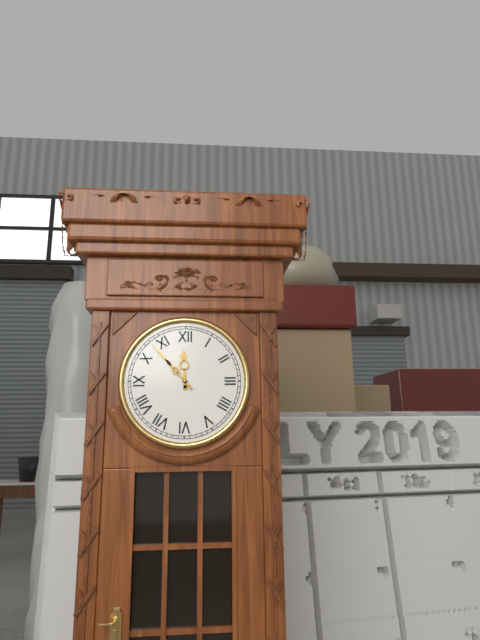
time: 11:53
